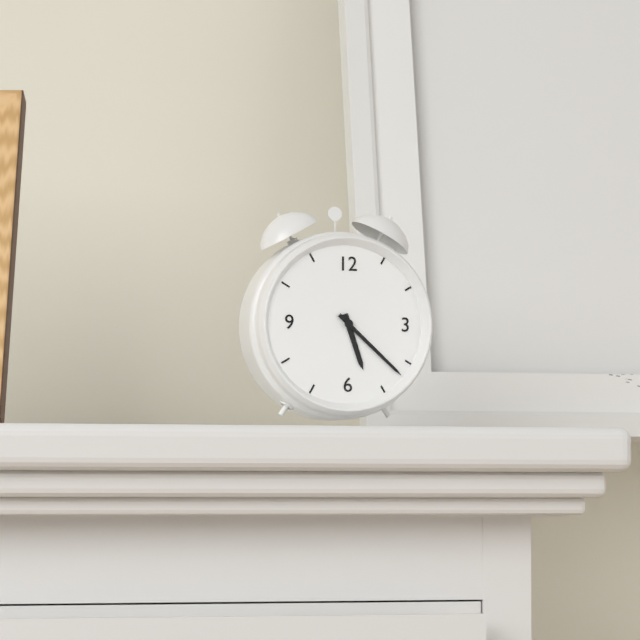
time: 5:22
